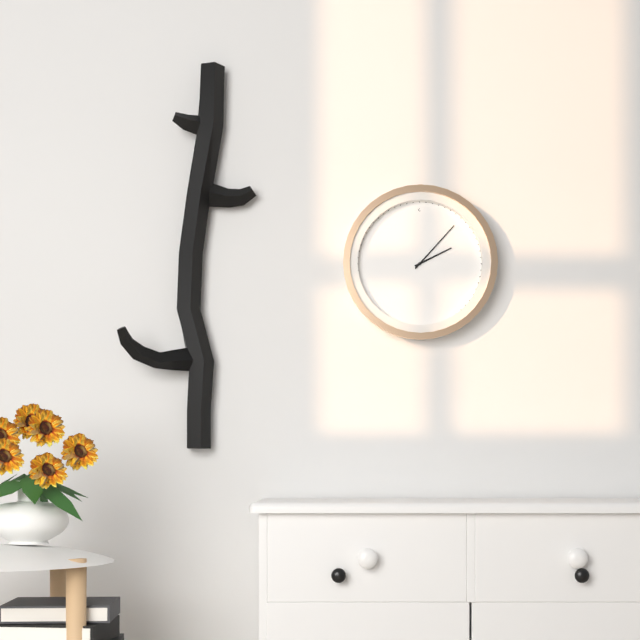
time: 2:07
